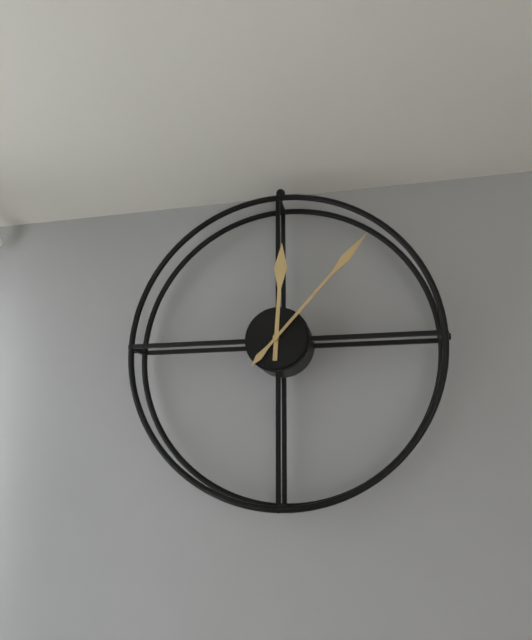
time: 12:07
